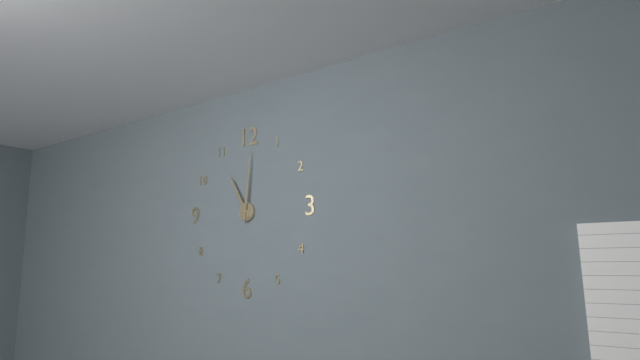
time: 11:01
